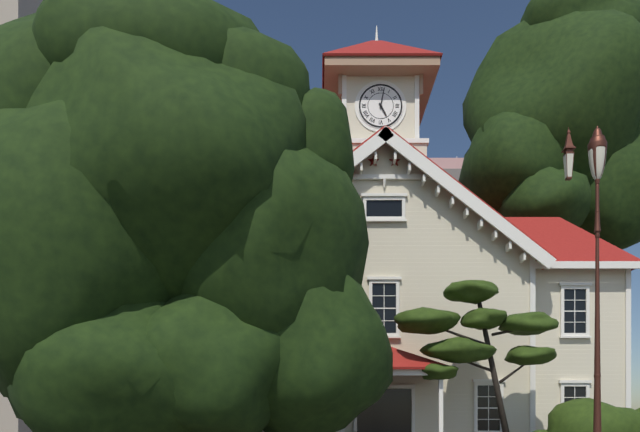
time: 5:02
